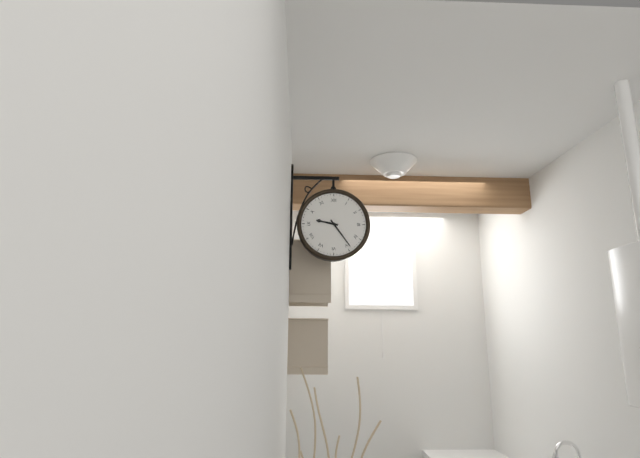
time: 9:24
